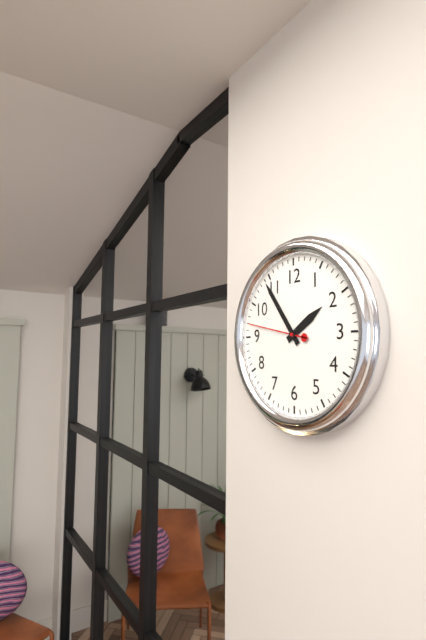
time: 1:54:47
